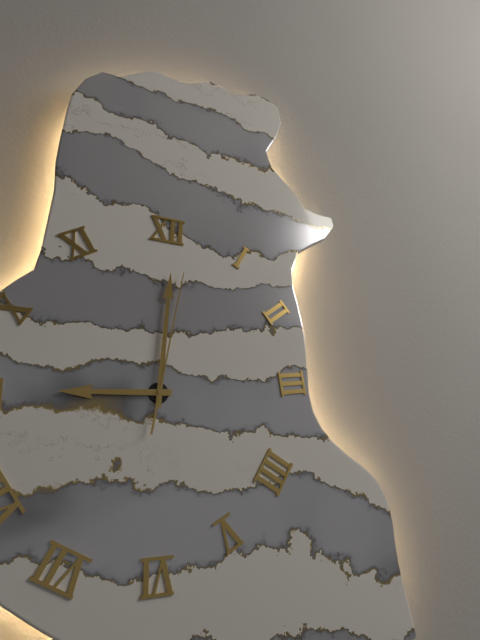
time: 9:01:02
